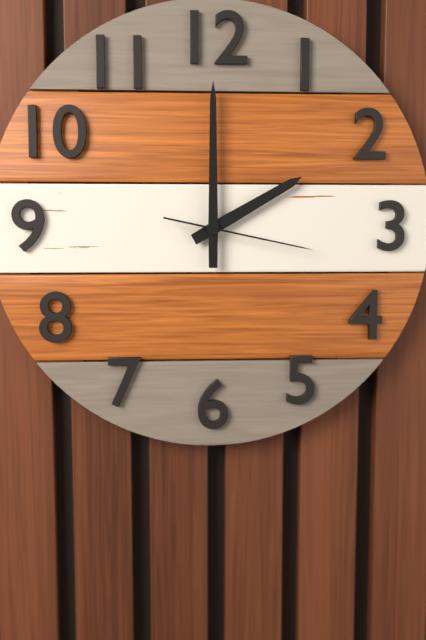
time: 2:00:17
